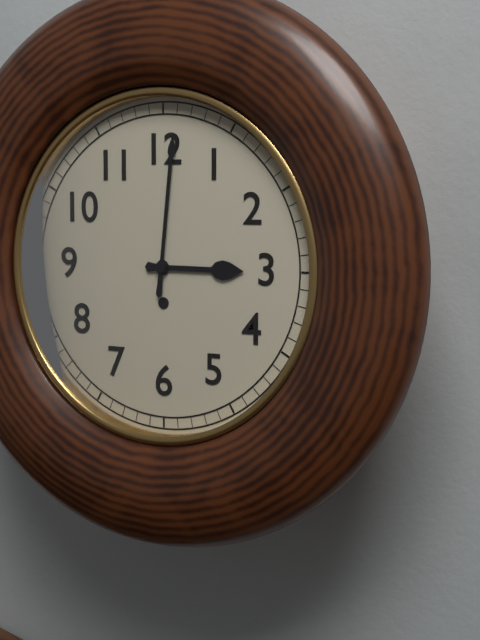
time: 3:01
